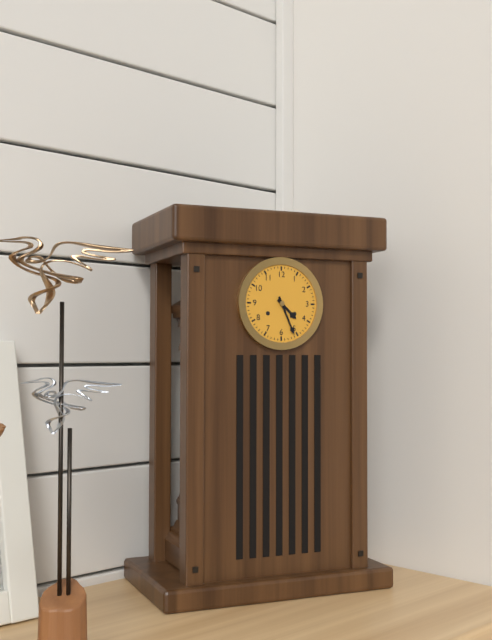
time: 4:26
